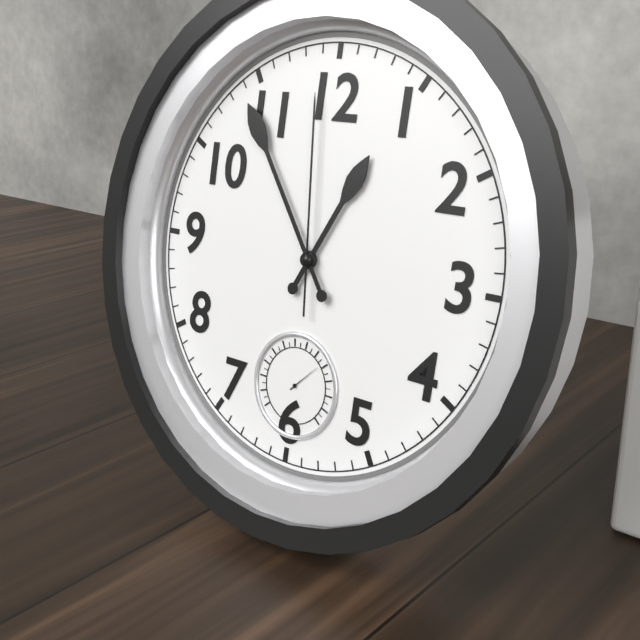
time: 12:54:59
